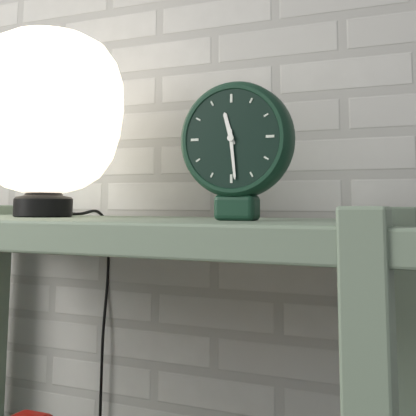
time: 11:29
